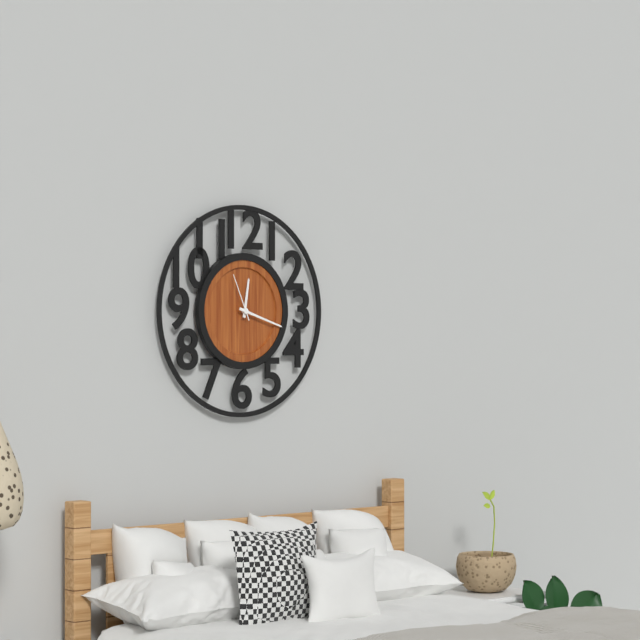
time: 12:18
